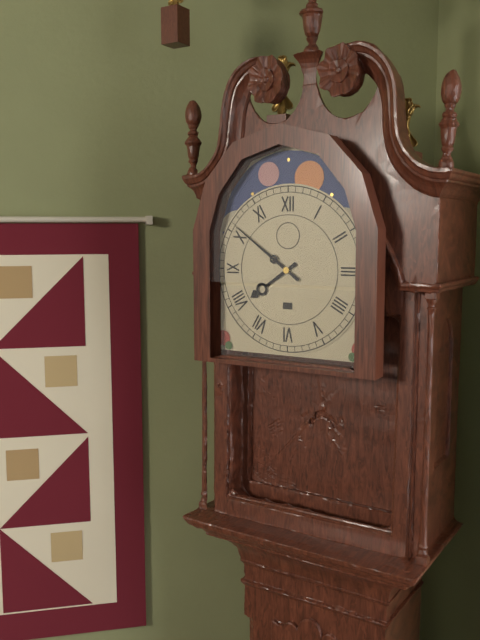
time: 7:51
